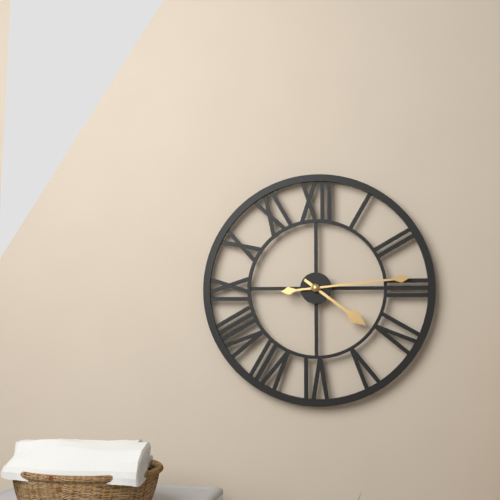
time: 4:14
